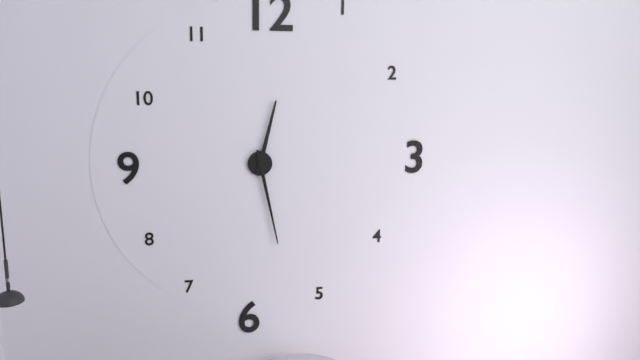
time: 12:28
